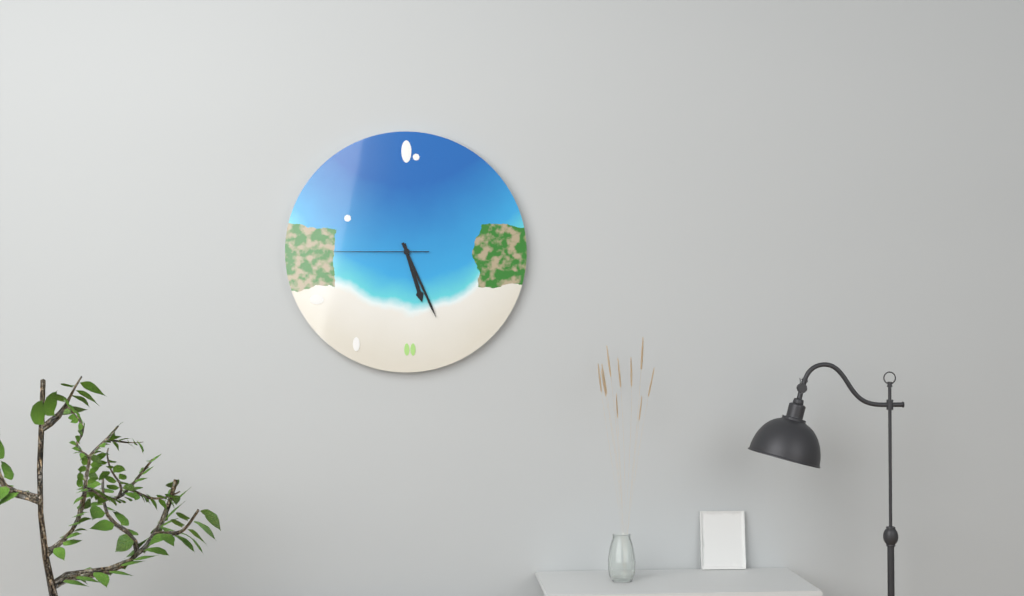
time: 5:26:45
